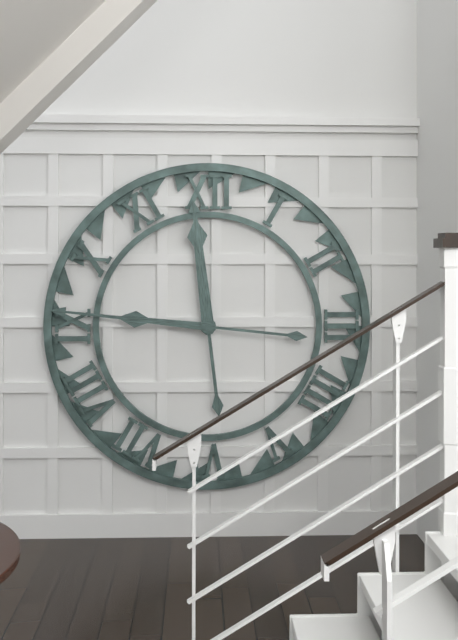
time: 11:46
